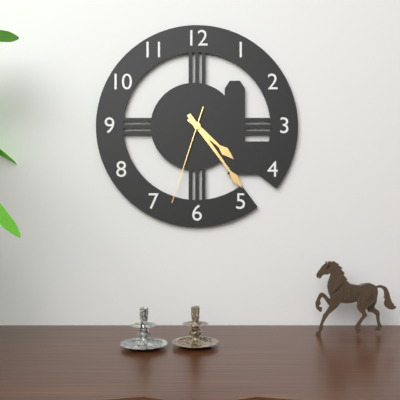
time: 4:24:33
